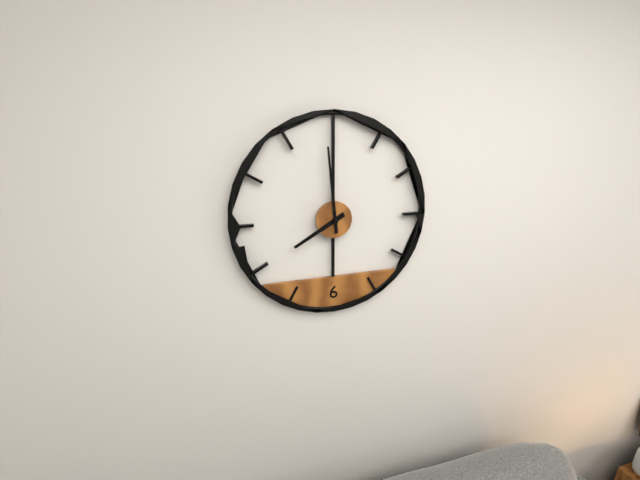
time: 7:59
